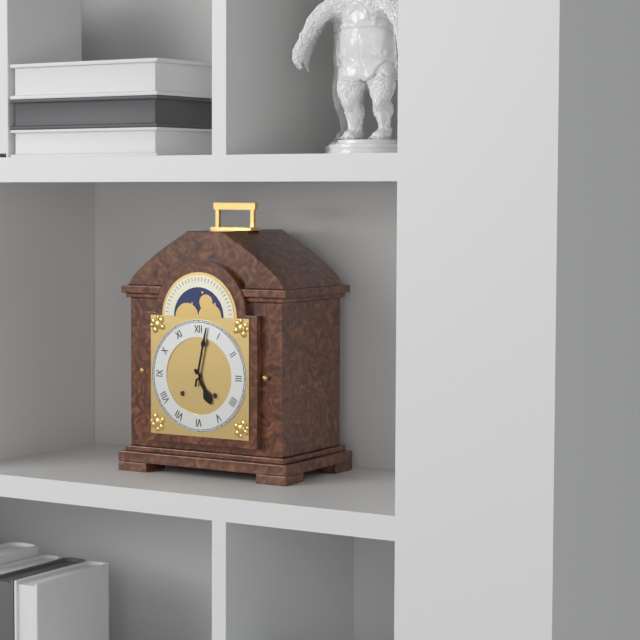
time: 5:02
